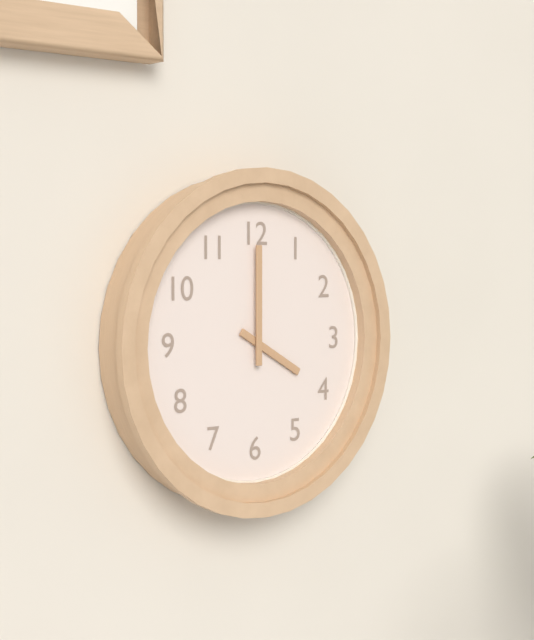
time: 4:00
